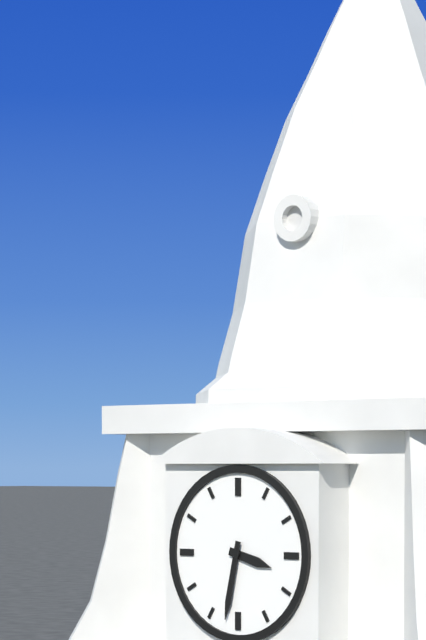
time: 3:32
